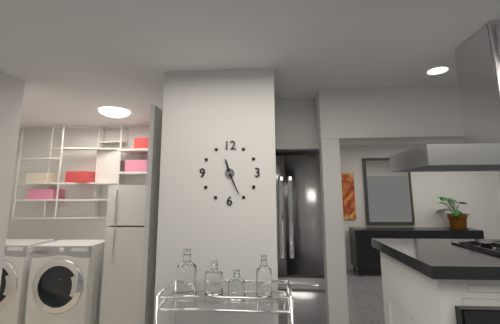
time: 11:26
